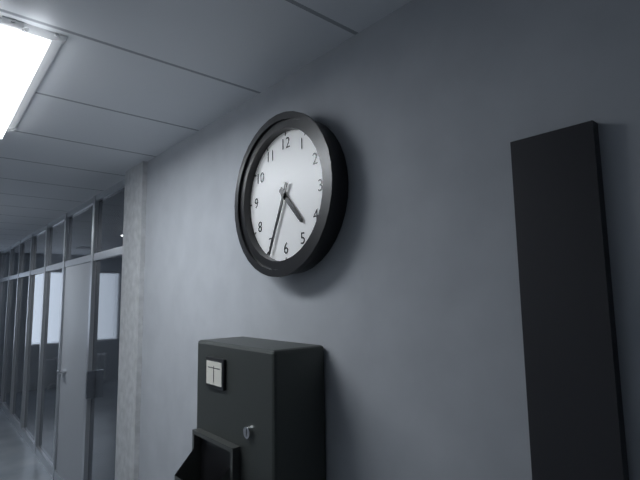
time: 4:34
